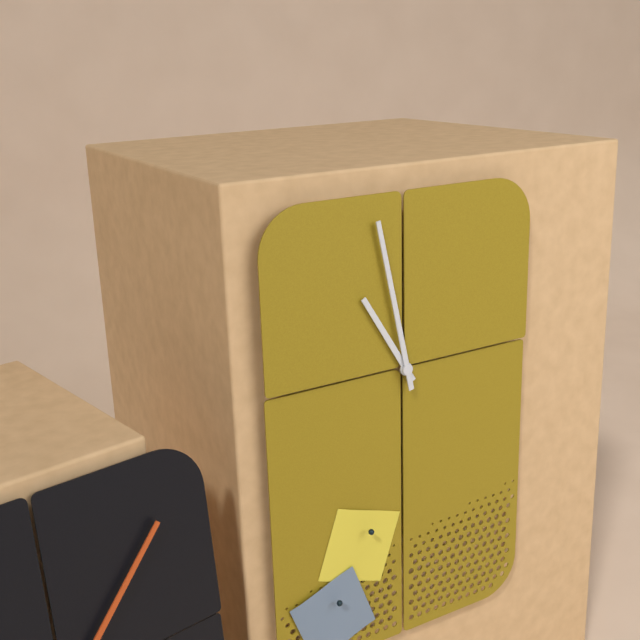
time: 10:58
